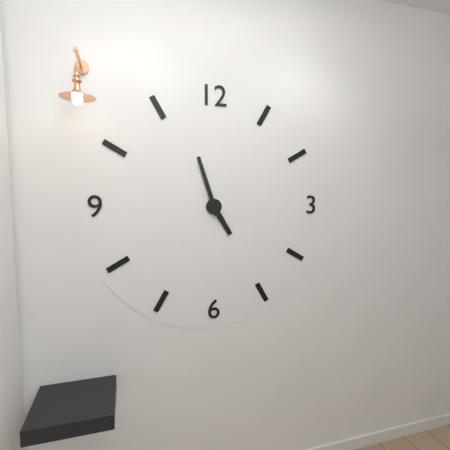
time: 4:57
